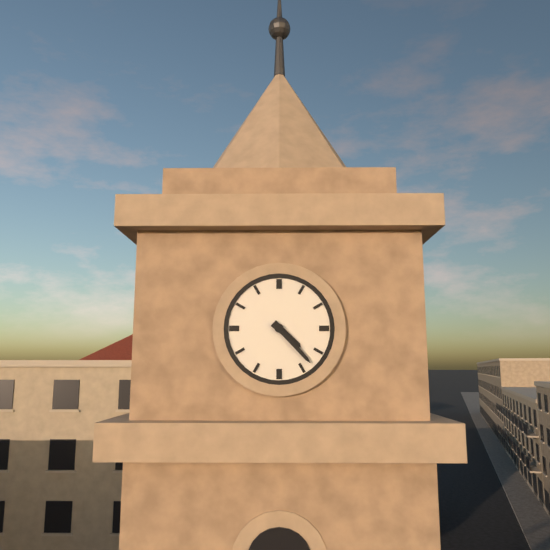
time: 4:23
